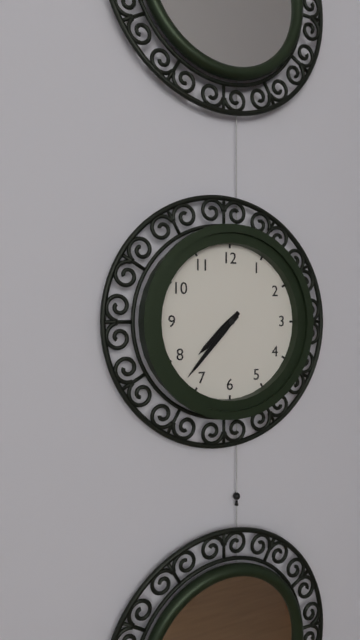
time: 7:37
